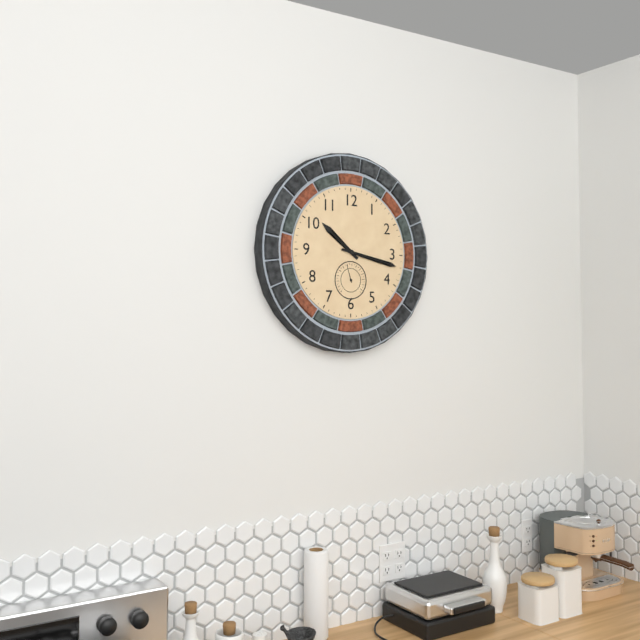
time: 10:17
